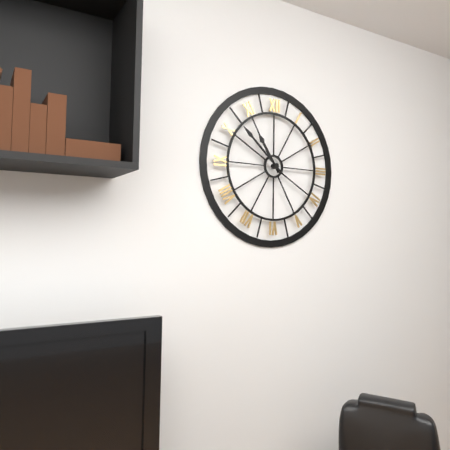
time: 10:52
